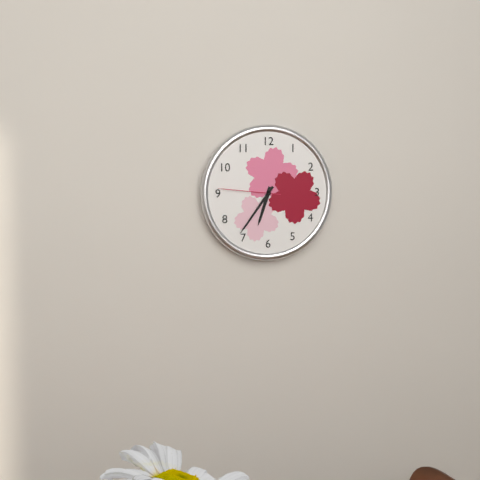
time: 6:36:46
